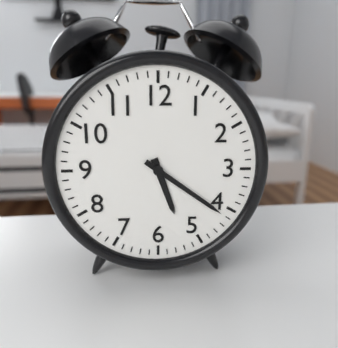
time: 5:21
